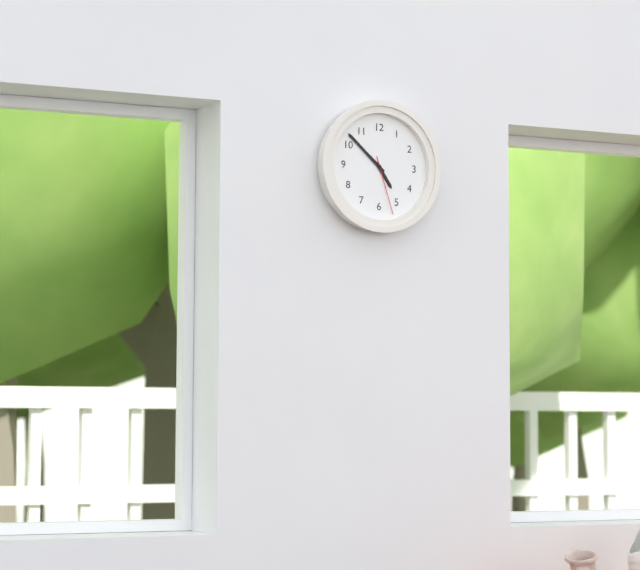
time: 4:52:27
